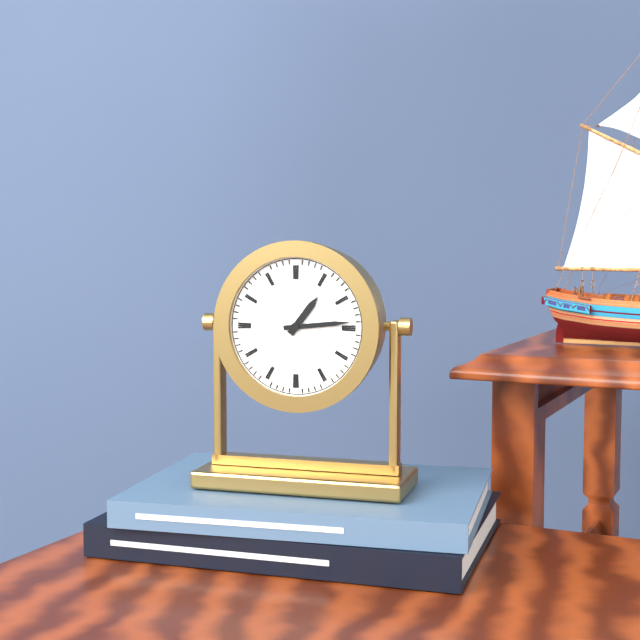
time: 1:14
